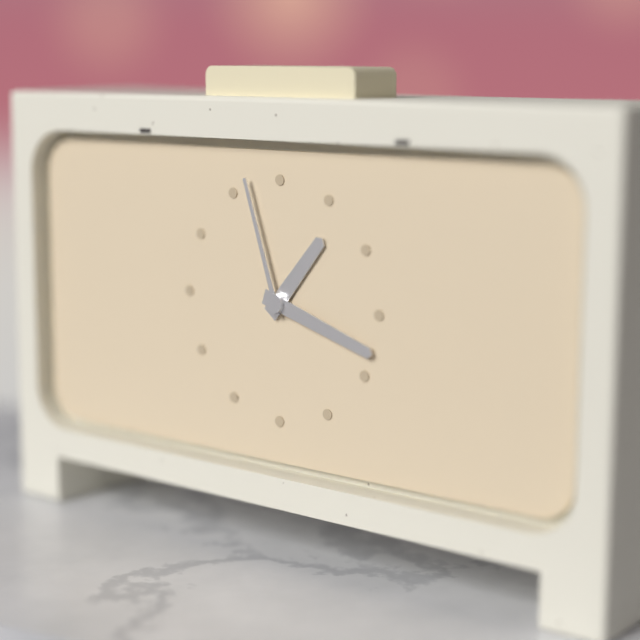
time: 1:18:57
